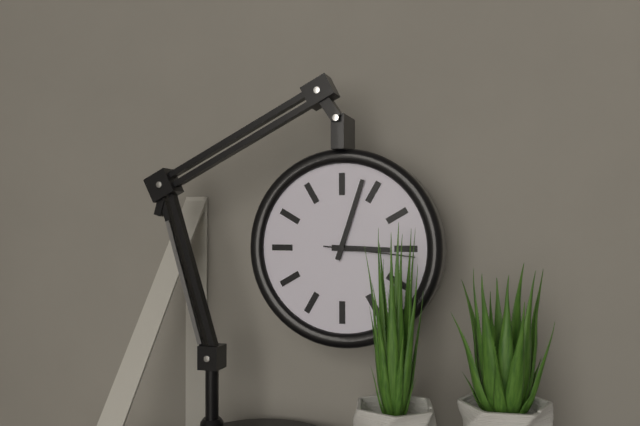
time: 3:03:16
